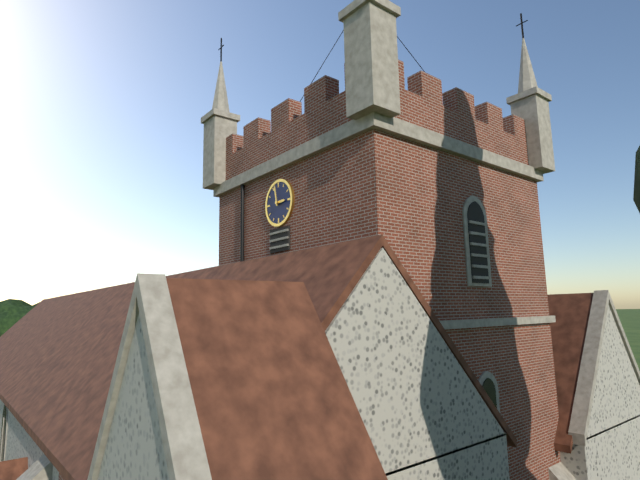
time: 2:58
